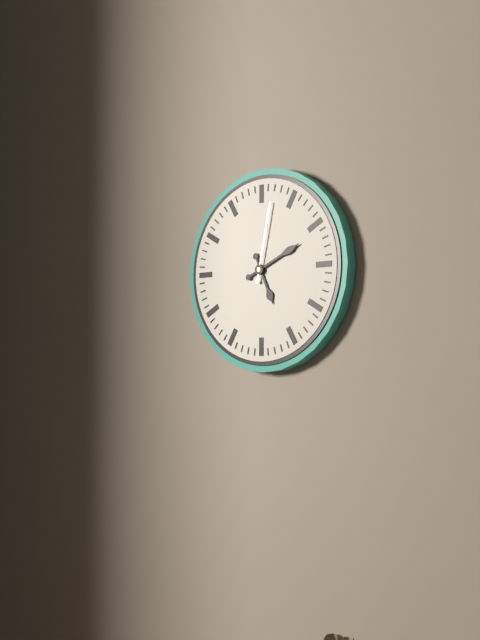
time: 5:11:02
